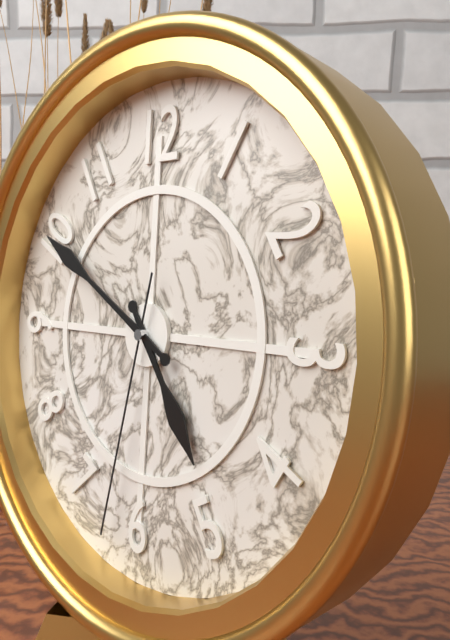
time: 4:50:32
